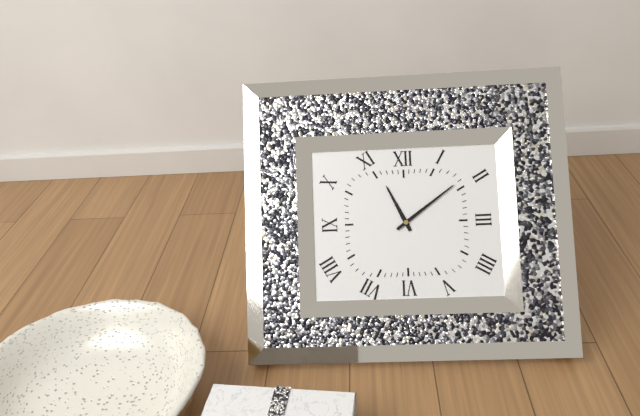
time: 11:09
